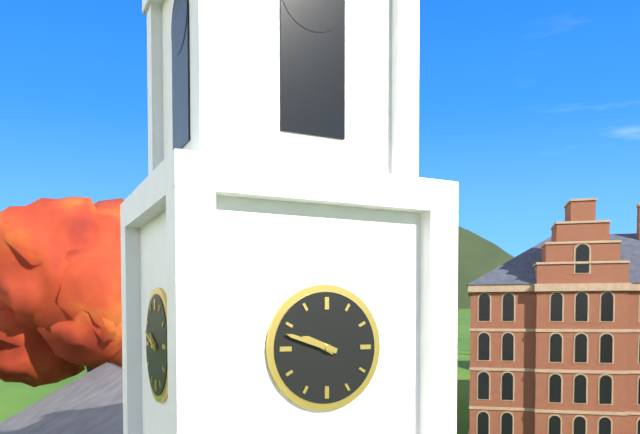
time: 9:48
